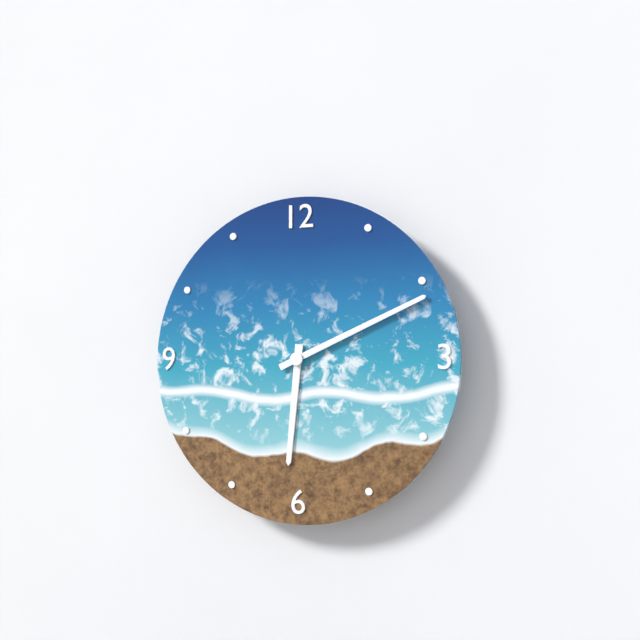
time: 6:11
